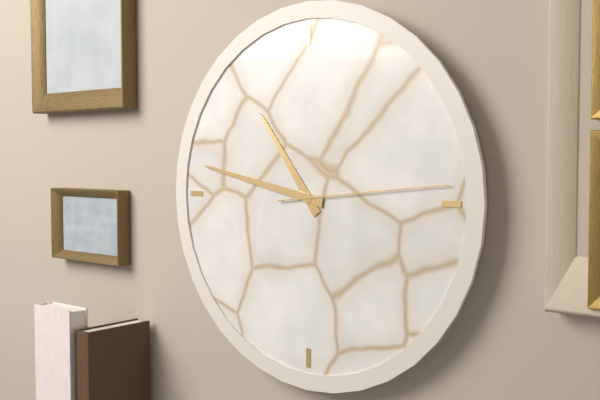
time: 10:47:14
